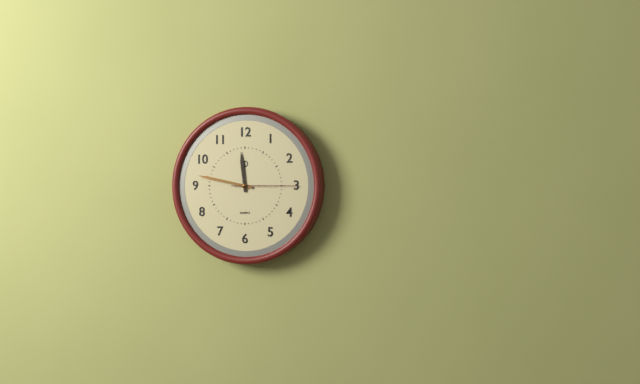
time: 11:47:15
